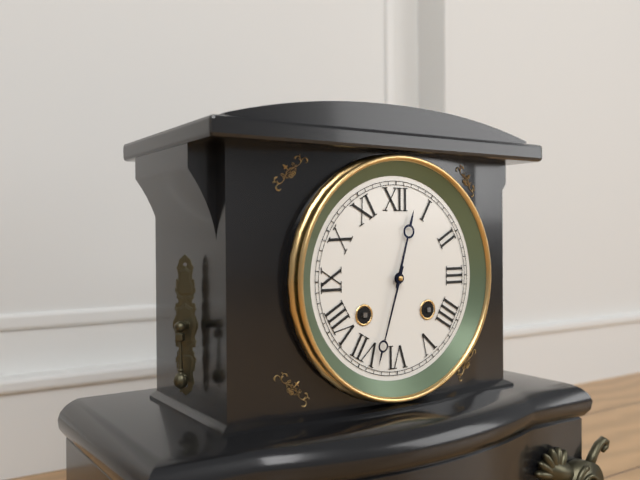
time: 12:33
